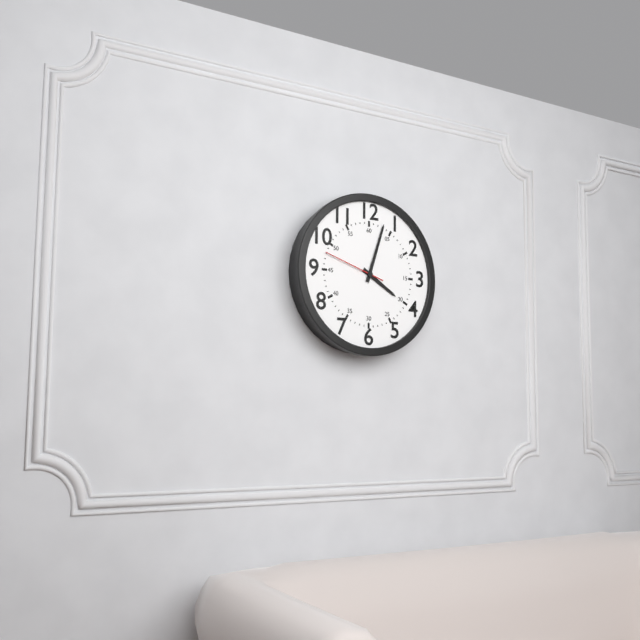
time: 4:03:48
